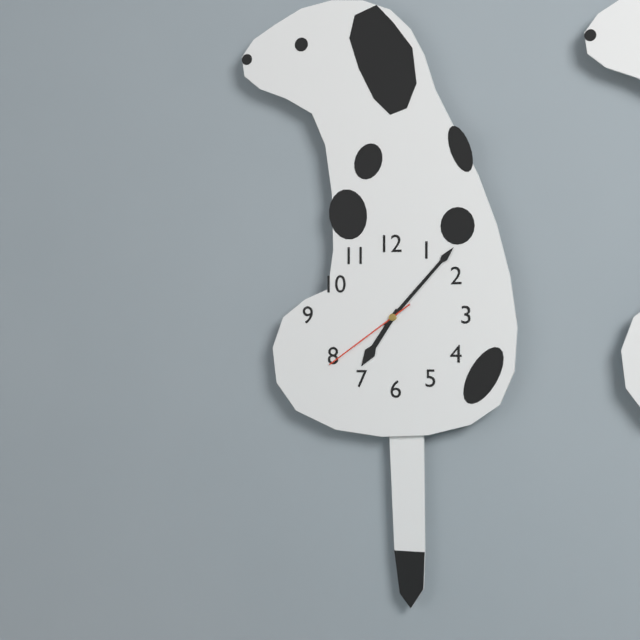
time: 7:07:39
